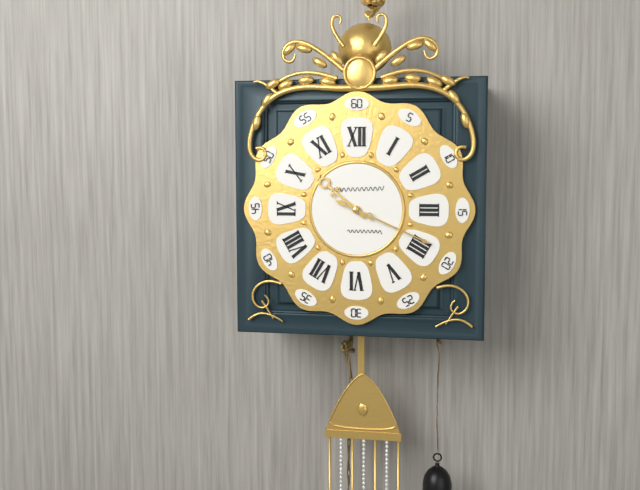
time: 10:19
